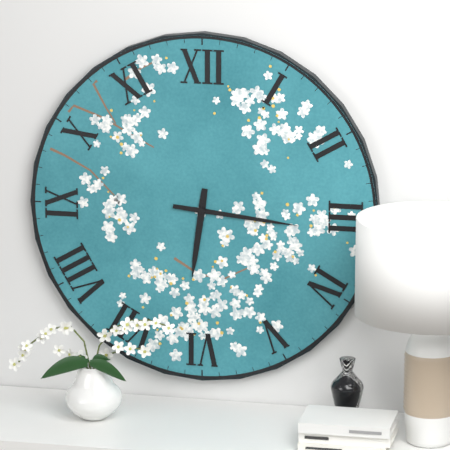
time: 6:16
